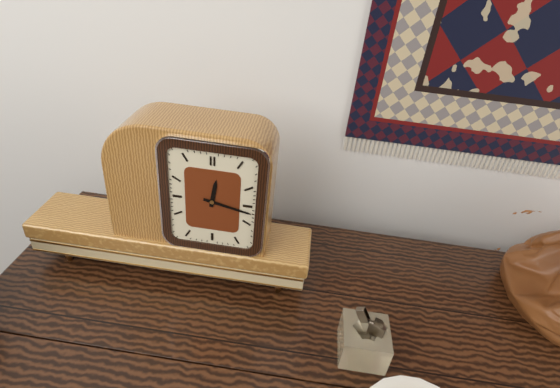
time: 12:17
